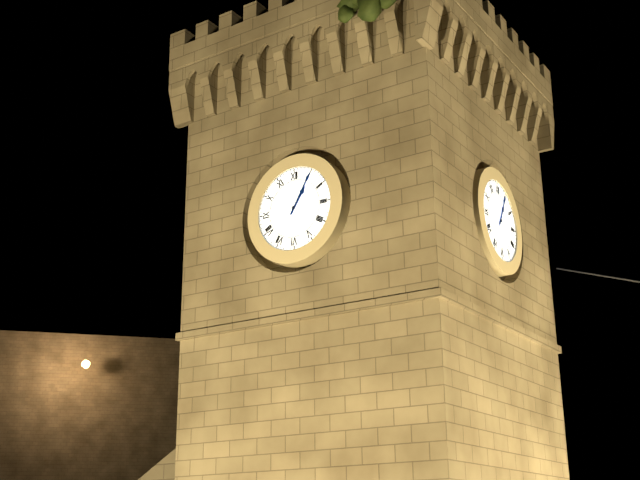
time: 1:05
